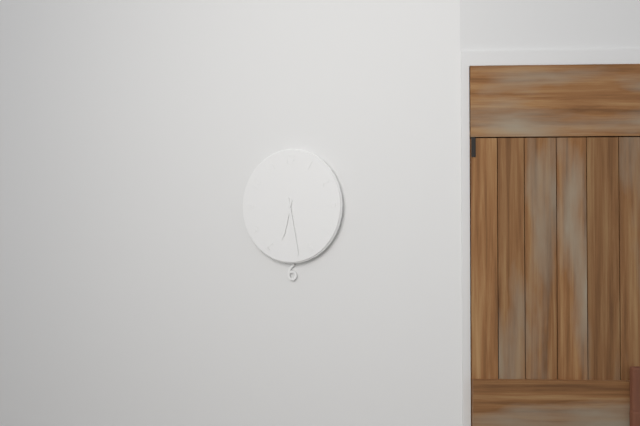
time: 6:28
